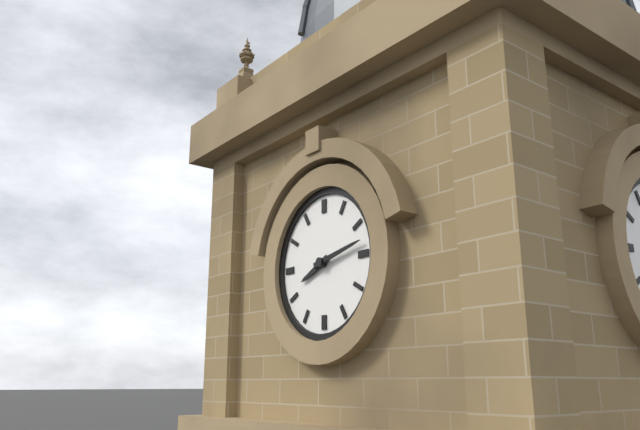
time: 8:13
